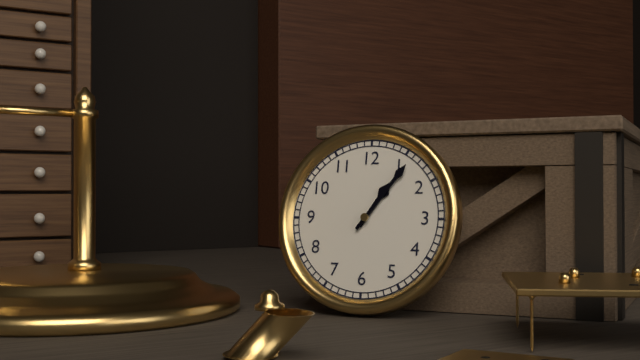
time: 1:06
